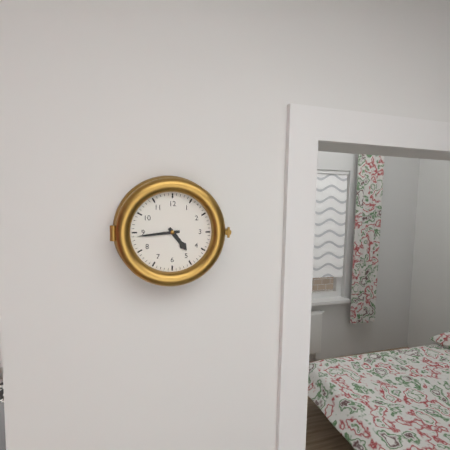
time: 4:44
